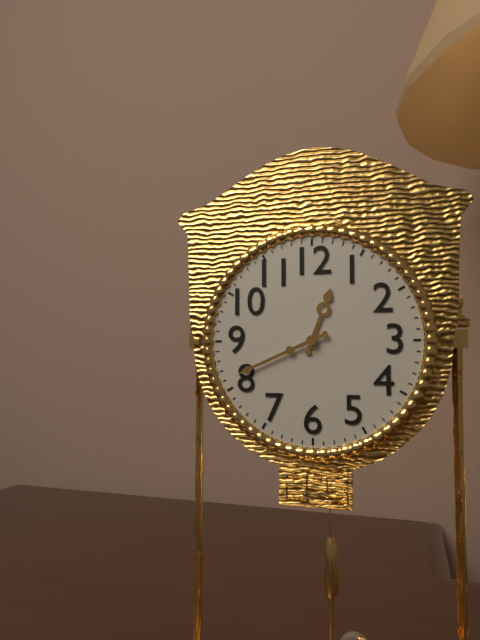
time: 12:41
